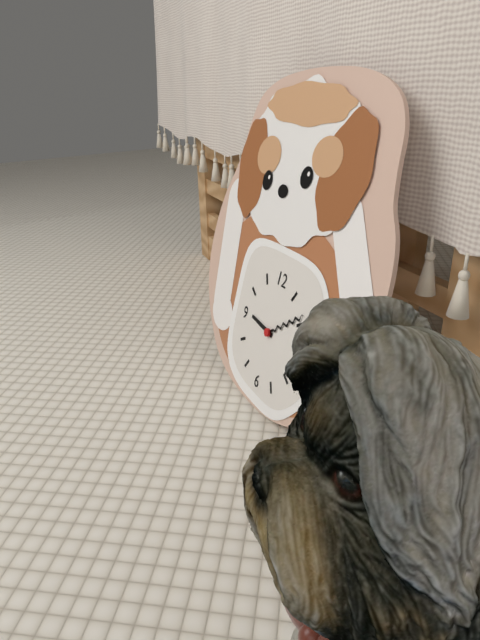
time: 9:09
